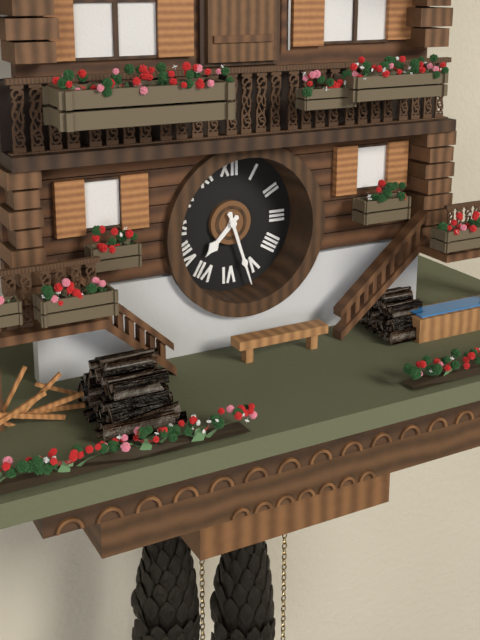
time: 7:27
